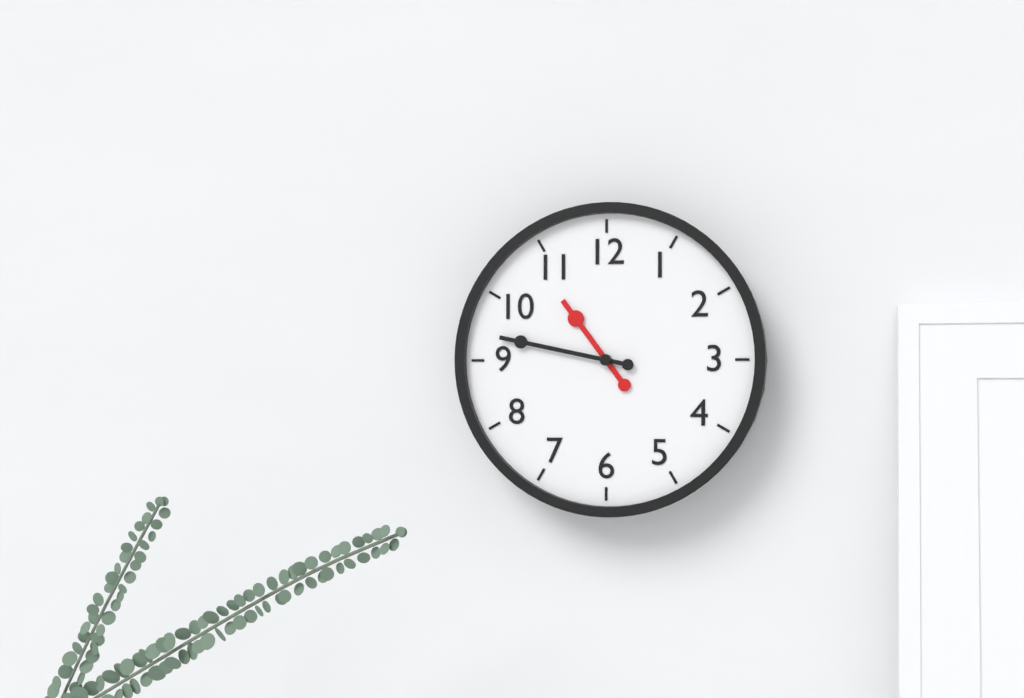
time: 10:47
